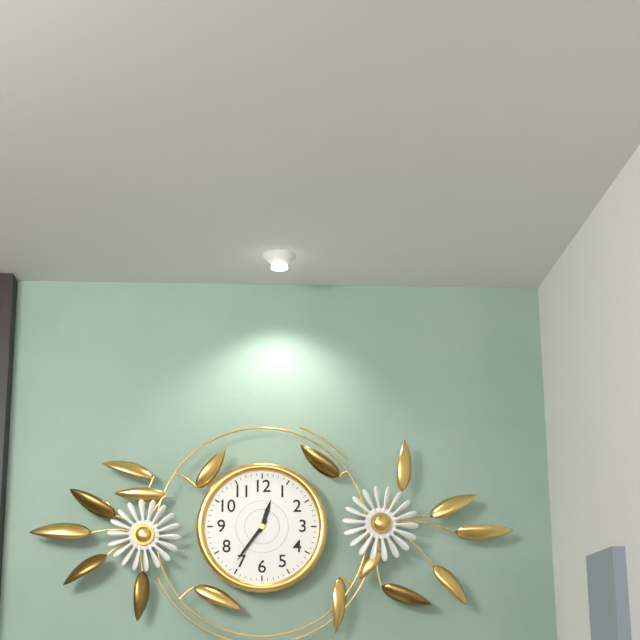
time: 12:36
